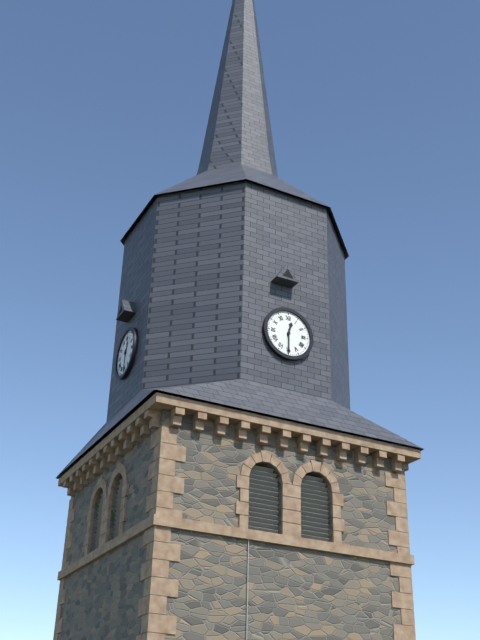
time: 12:30
